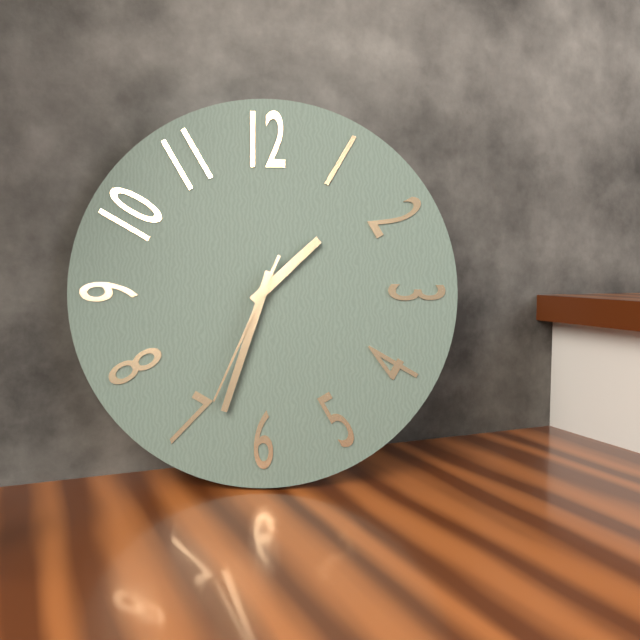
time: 1:33:34
